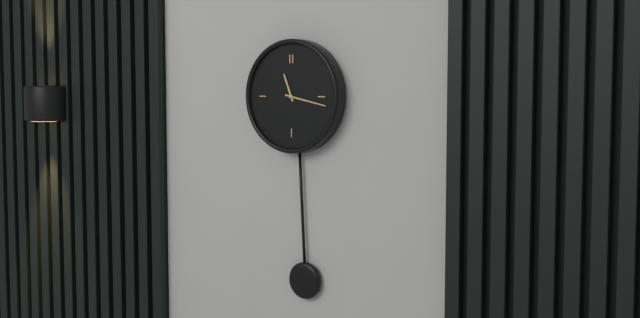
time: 11:17
